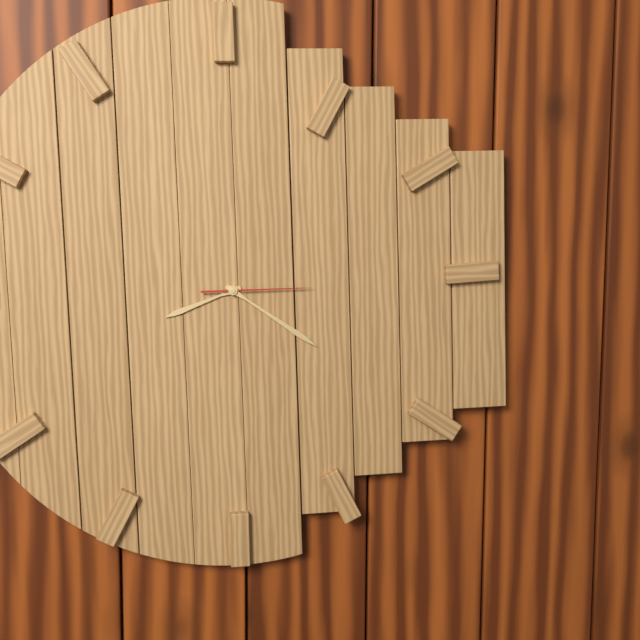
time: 8:21:15
